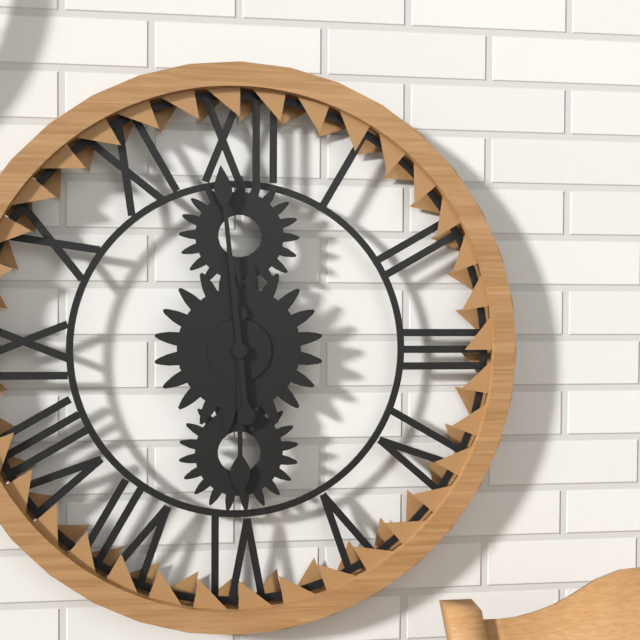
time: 5:59
